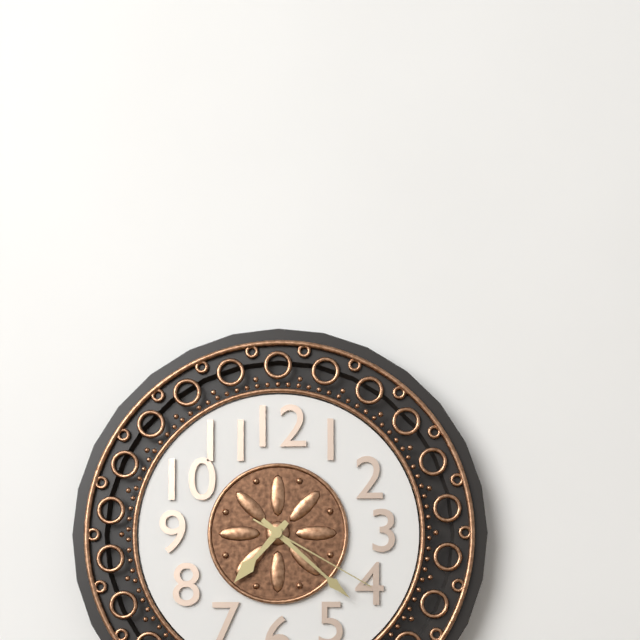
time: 7:22:20
